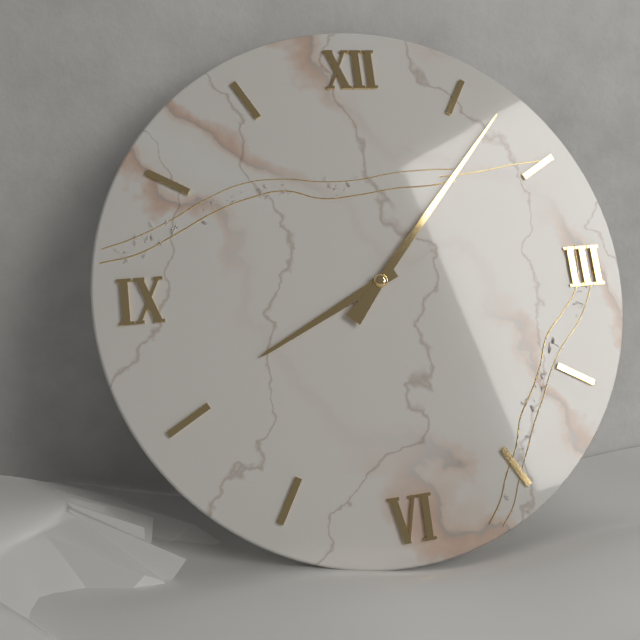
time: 8:07
